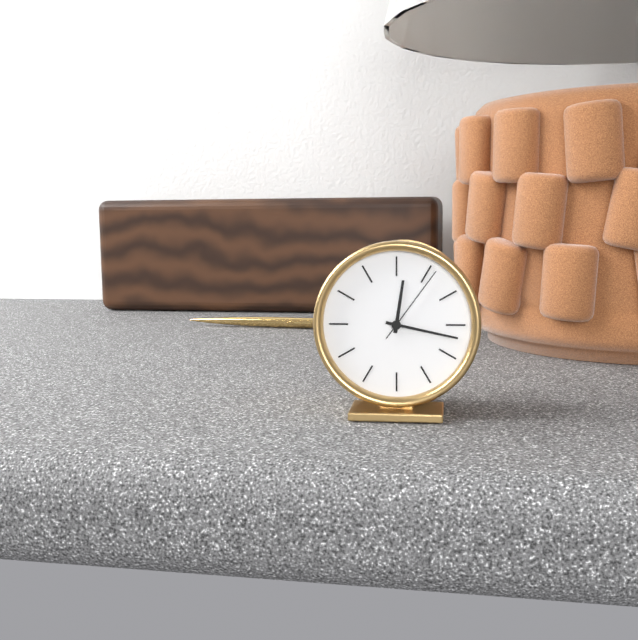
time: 12:17:06
